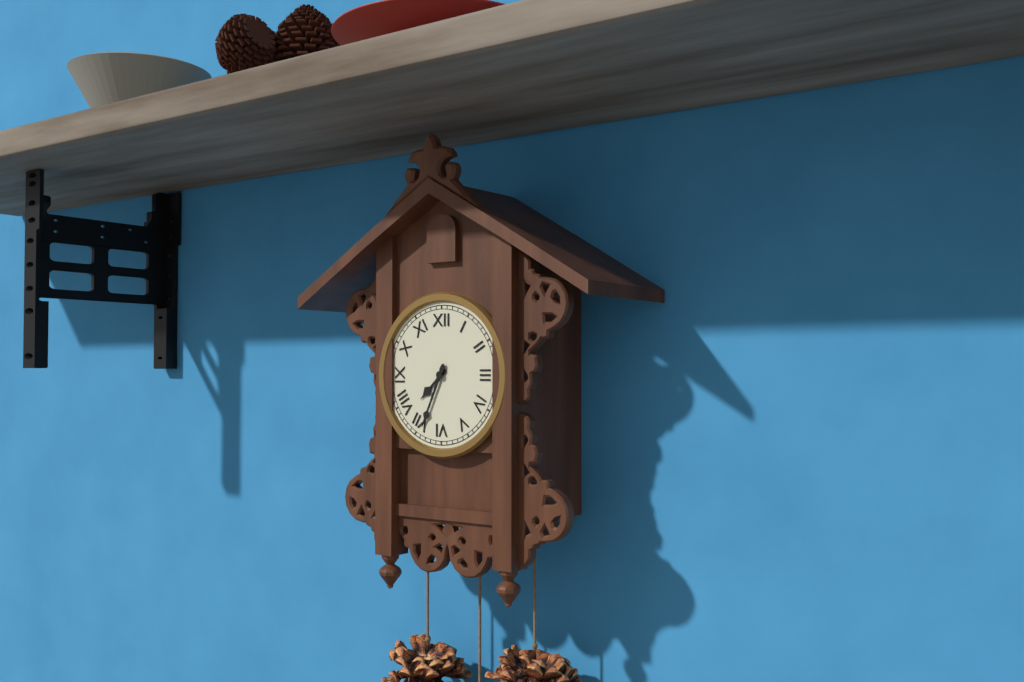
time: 7:34
